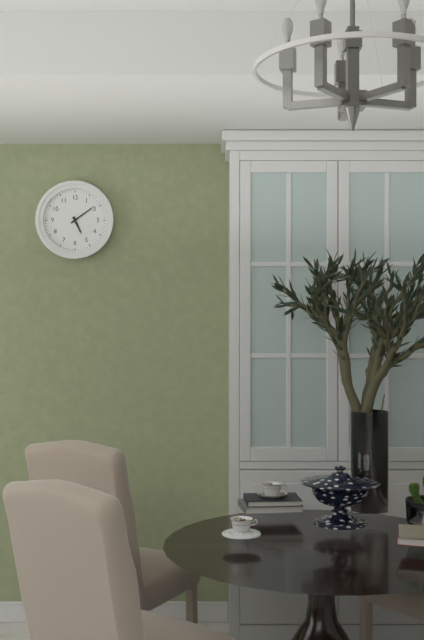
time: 5:09
